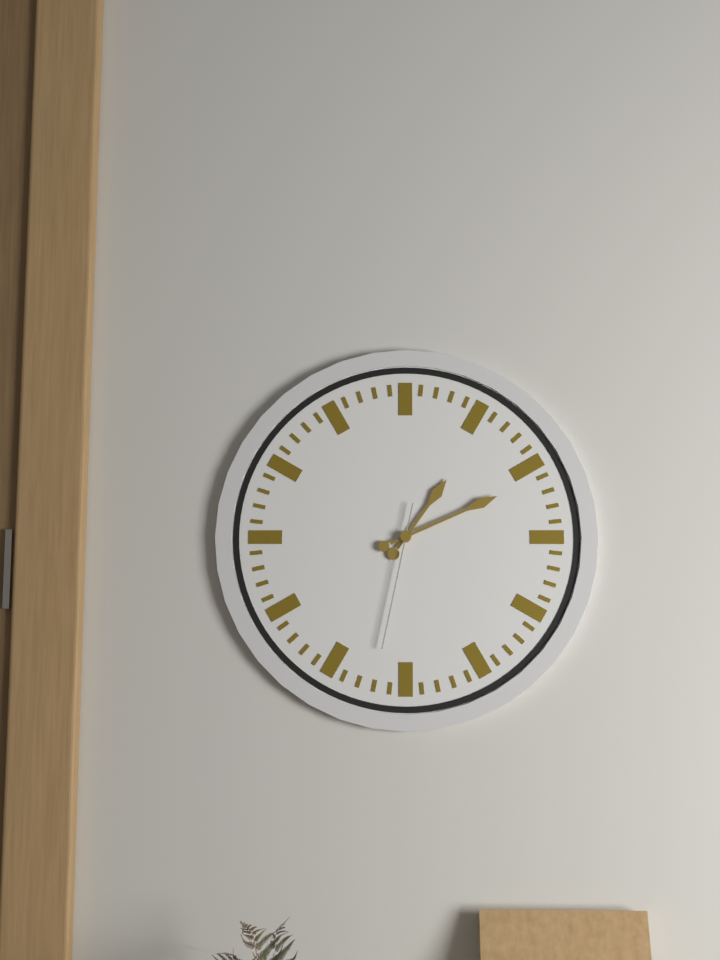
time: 1:11:32
